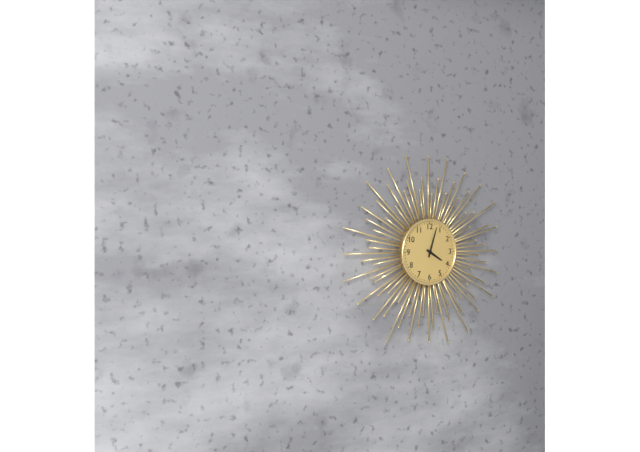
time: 4:03
